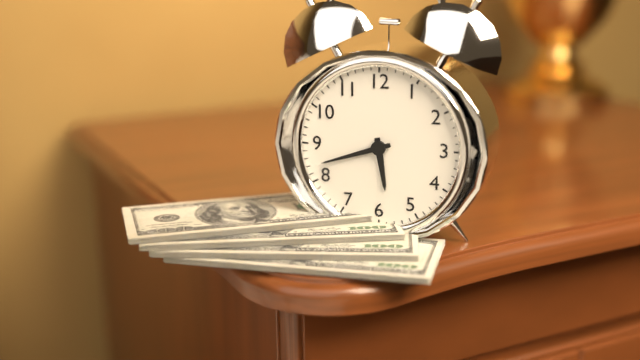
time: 5:42
